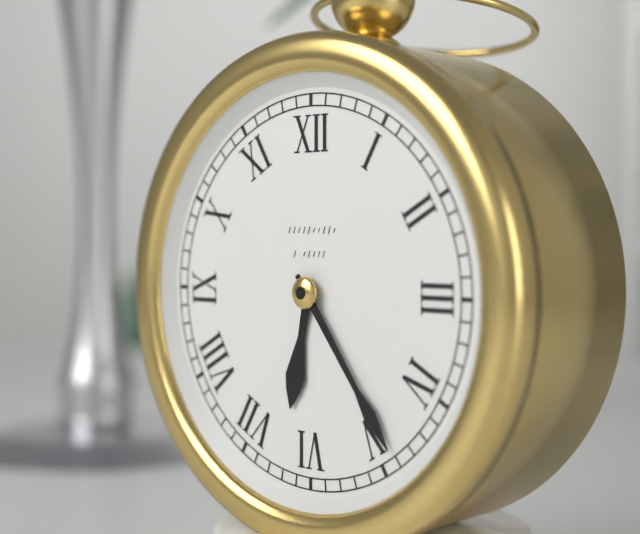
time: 6:24
